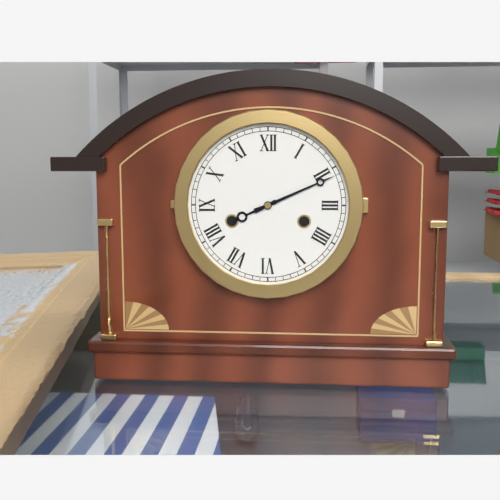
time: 8:11
